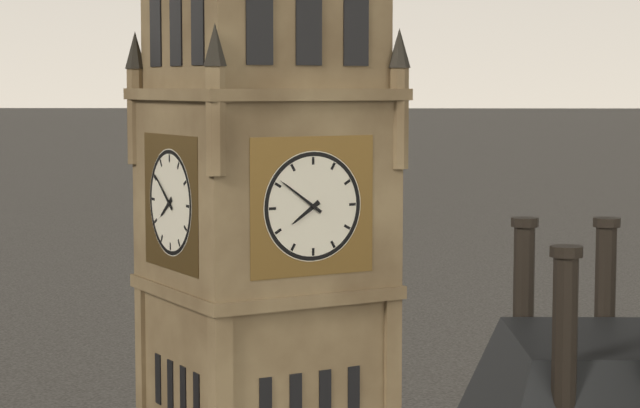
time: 7:51
